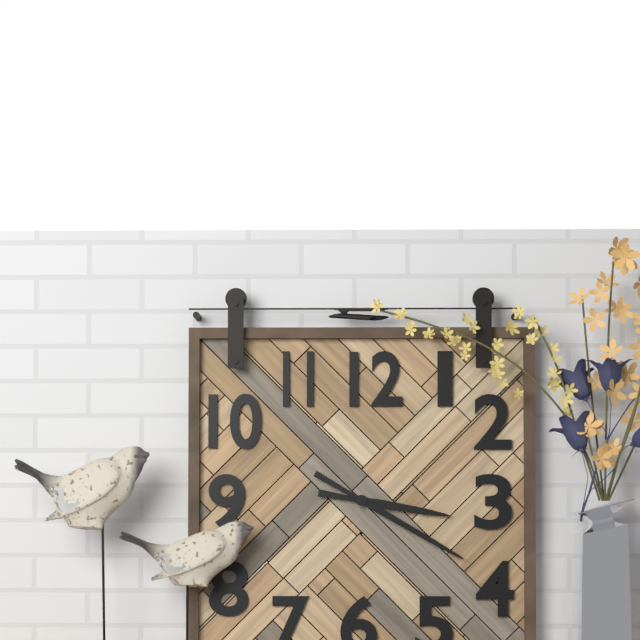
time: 3:20
